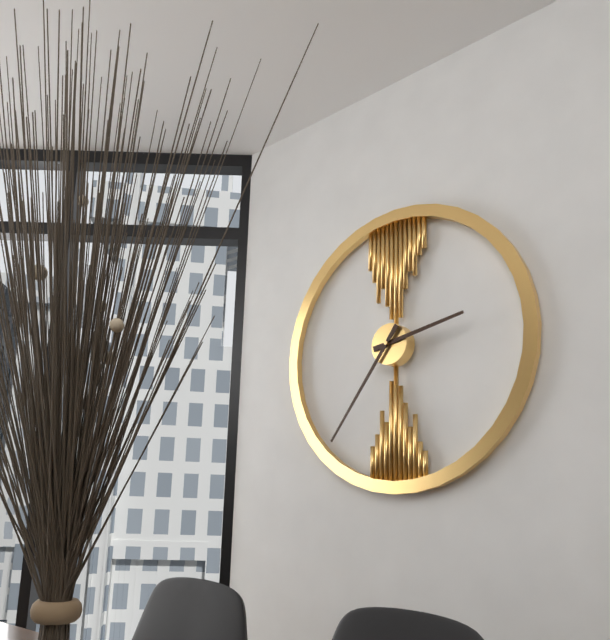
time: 2:36
